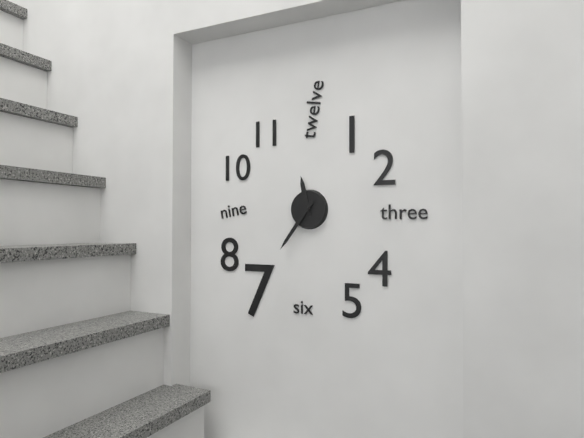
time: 11:36
